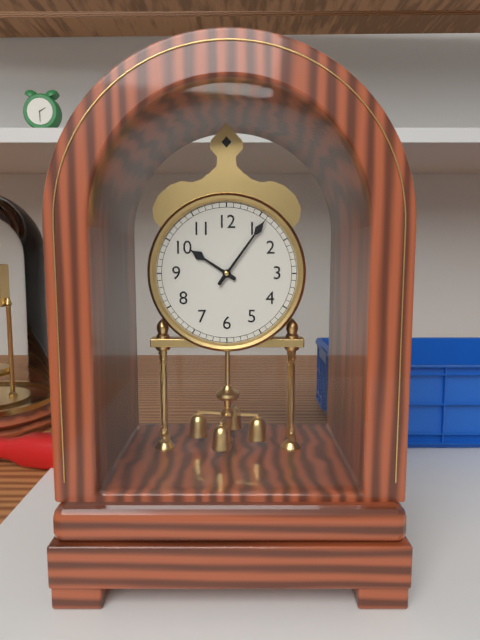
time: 10:06
